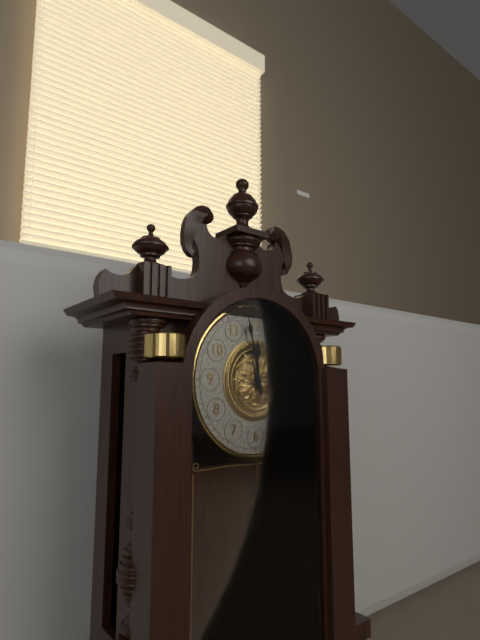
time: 11:58
